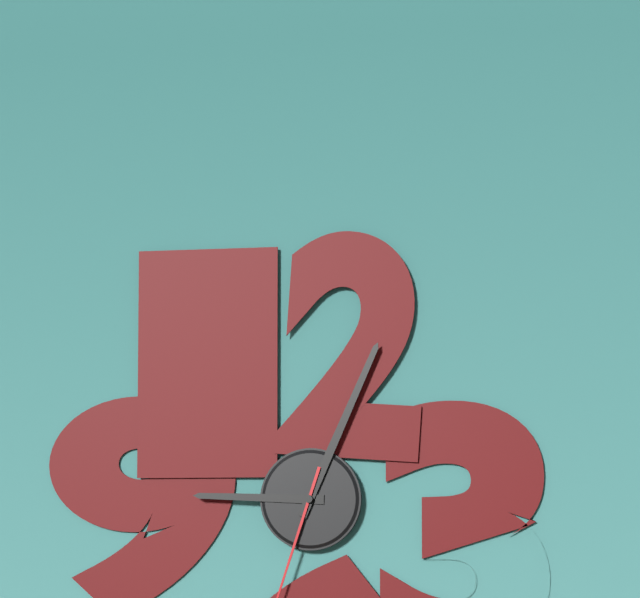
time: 9:04
